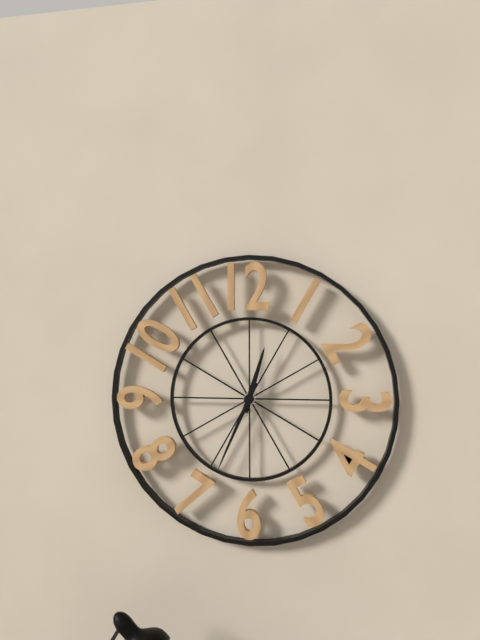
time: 12:34
